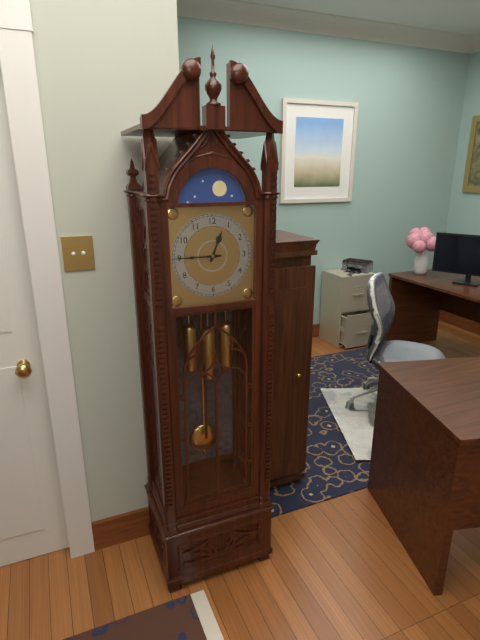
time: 12:45
